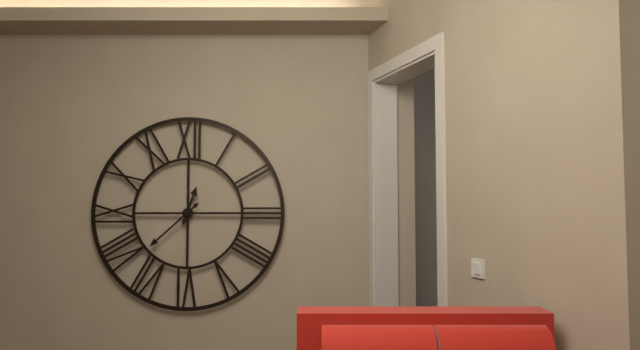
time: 12:38
